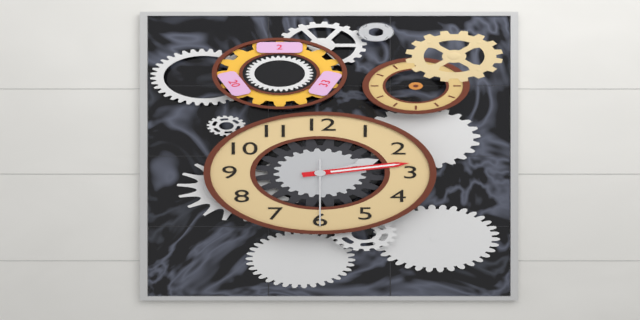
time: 2:13:30
